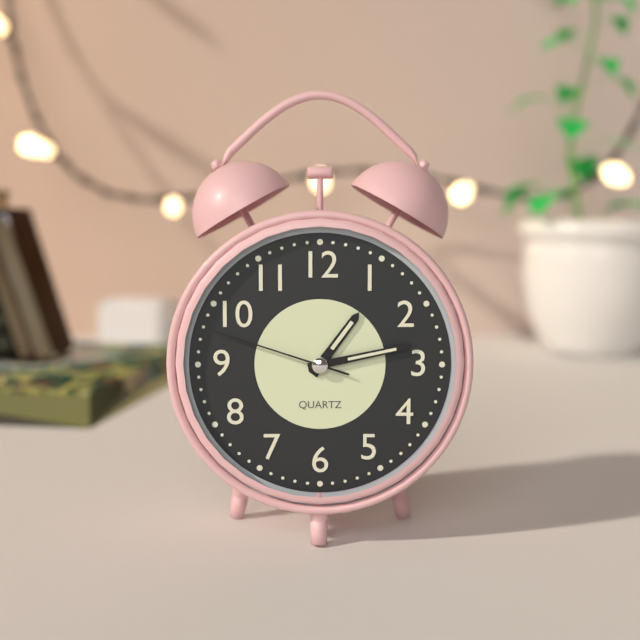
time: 1:13:48
